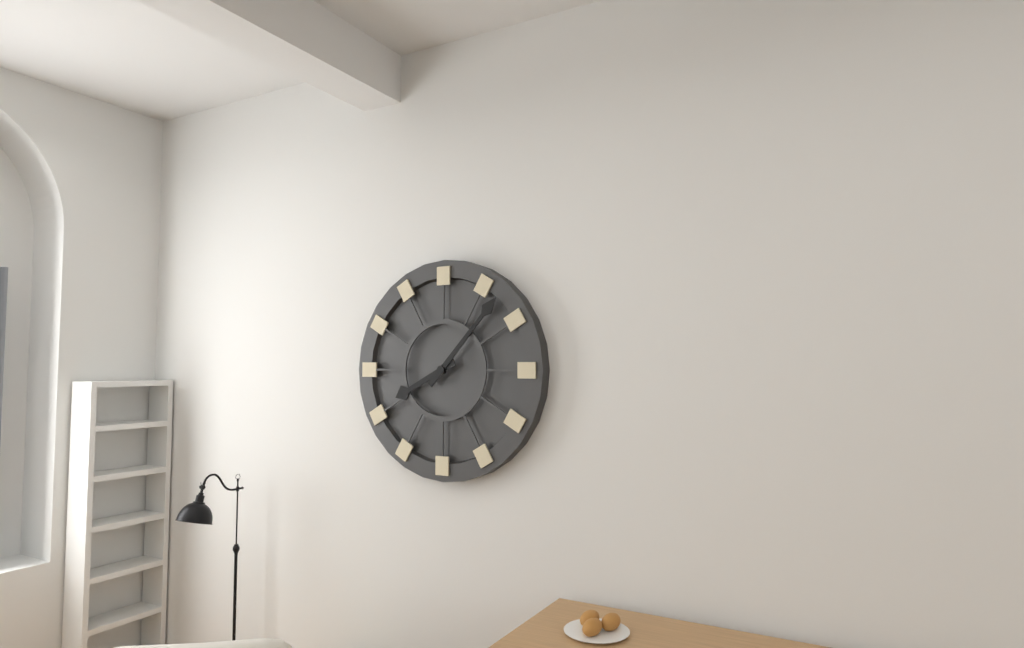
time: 8:07
